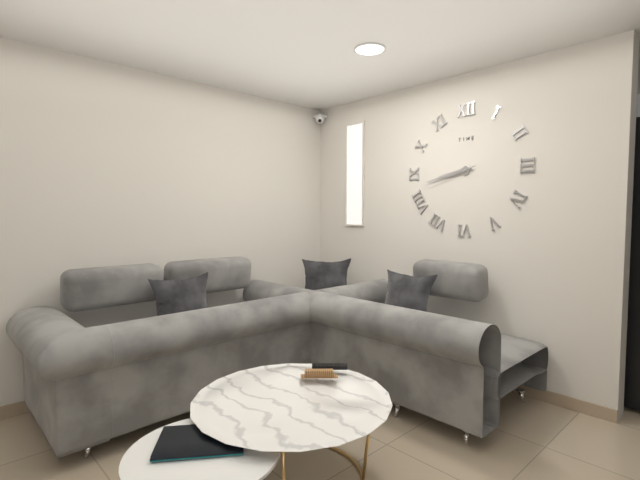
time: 8:43:42
